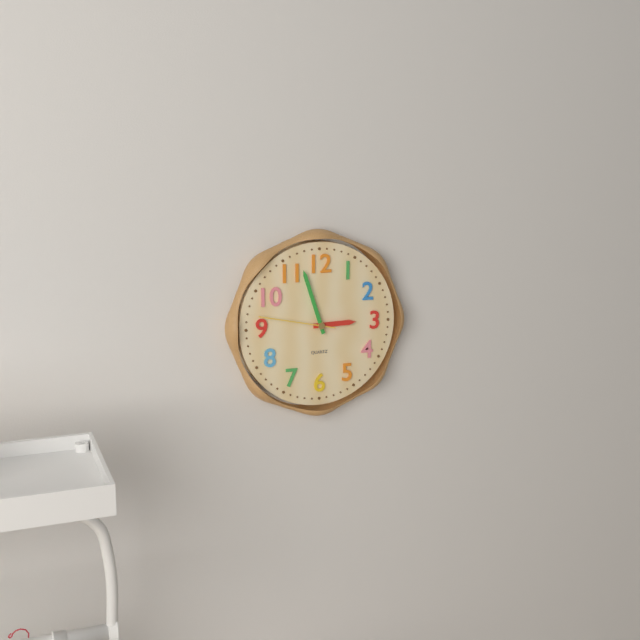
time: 2:57:47
